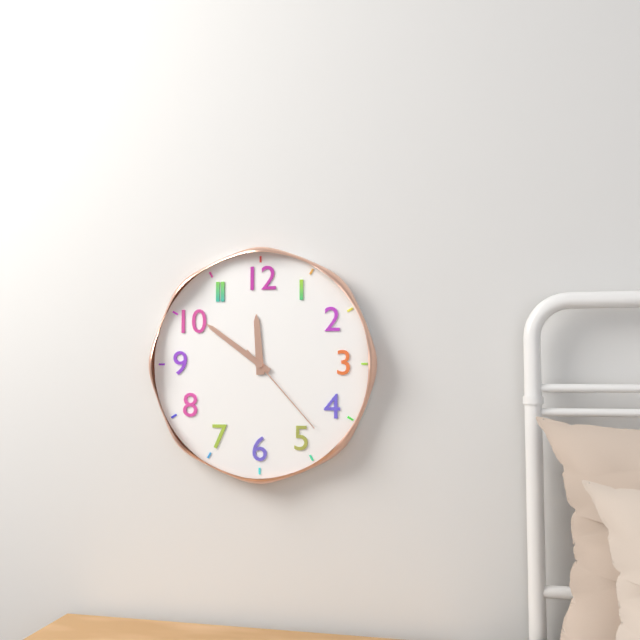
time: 11:51:23
